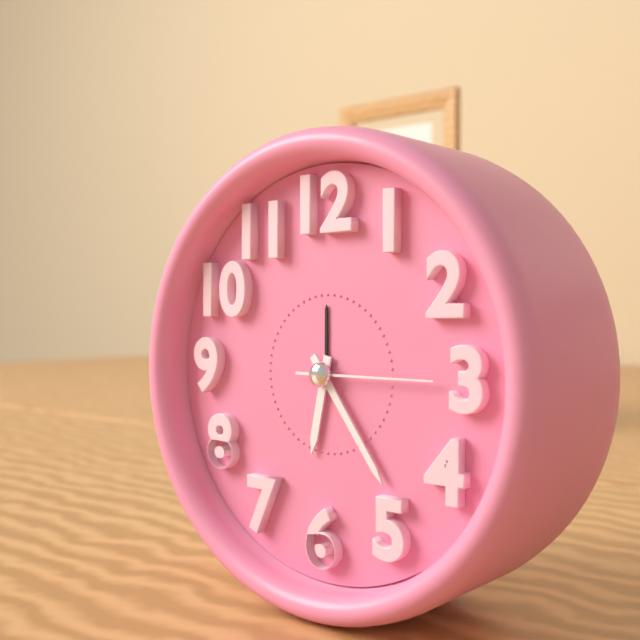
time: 6:24:15
